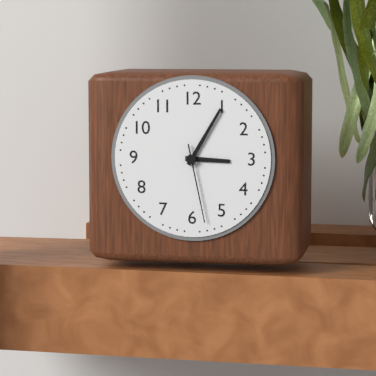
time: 3:05:28
